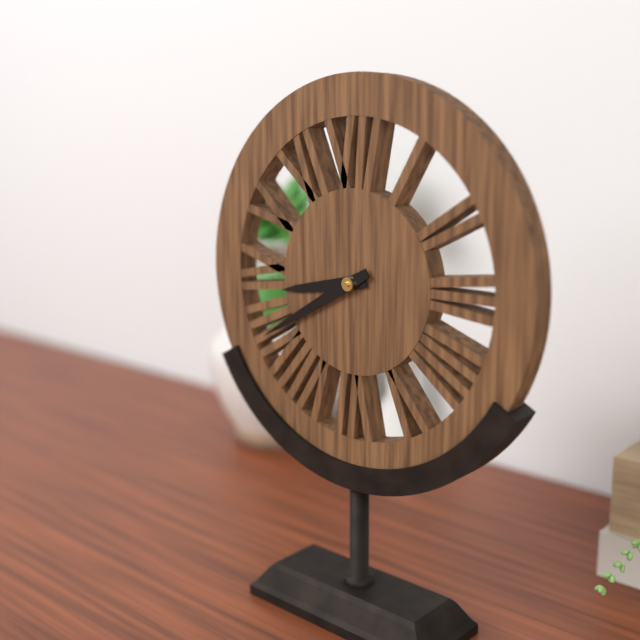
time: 8:40
